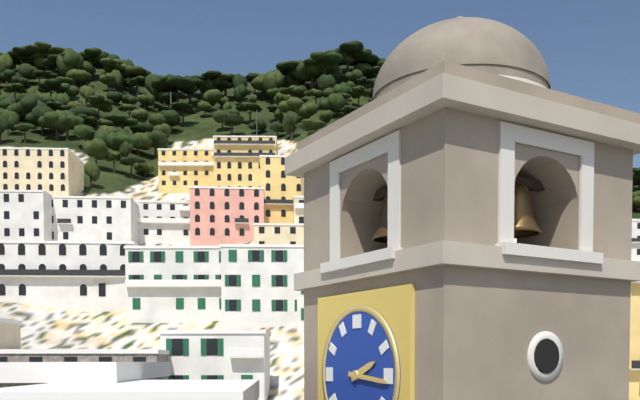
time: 2:16
